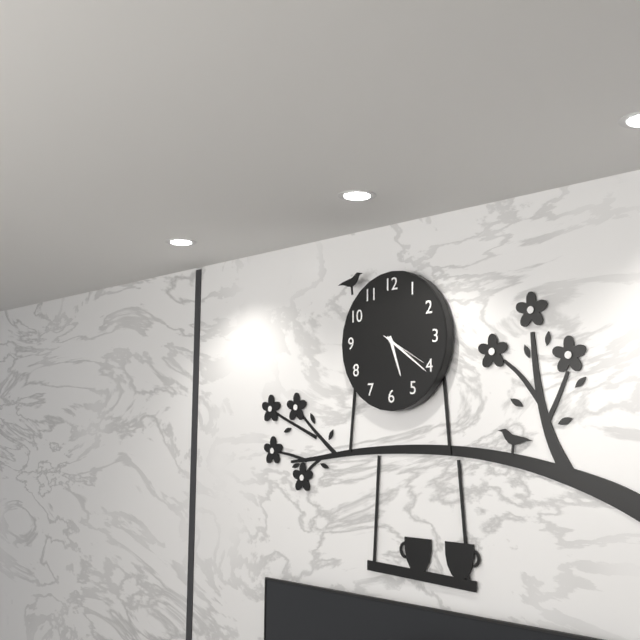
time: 5:21:20
